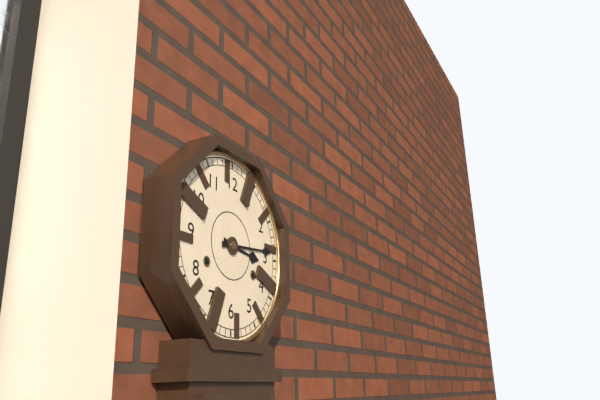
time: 3:14
